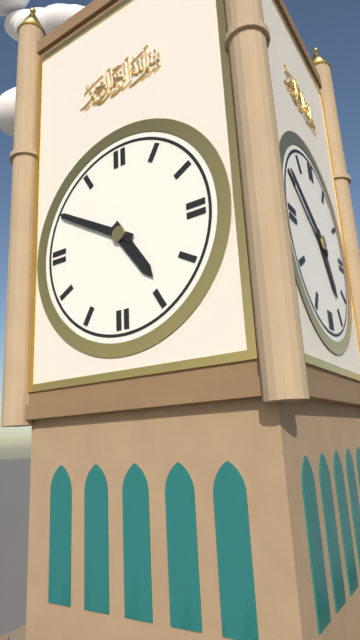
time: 4:50
